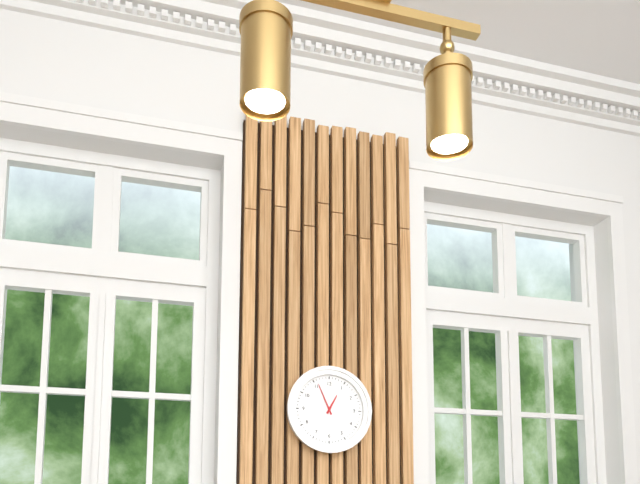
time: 12:56
